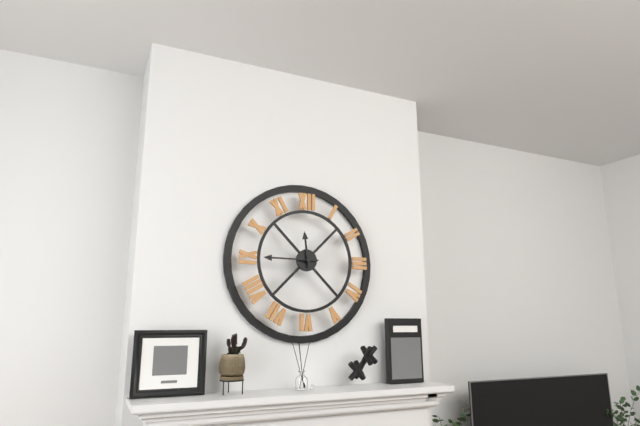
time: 11:45
